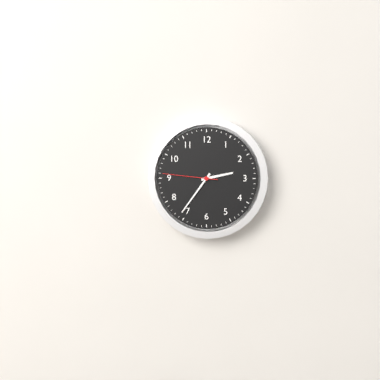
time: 2:36:46
